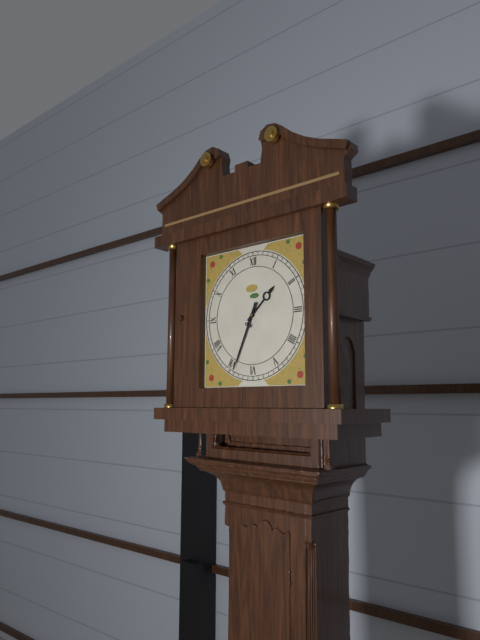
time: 1:34
